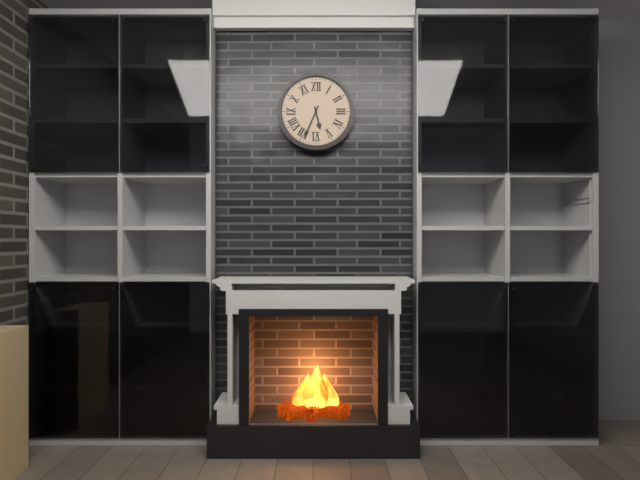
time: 5:34
